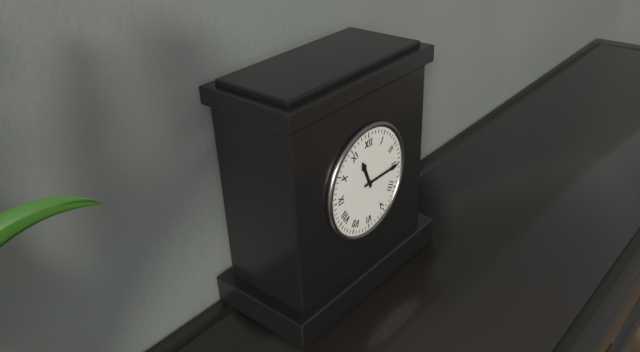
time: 11:15
